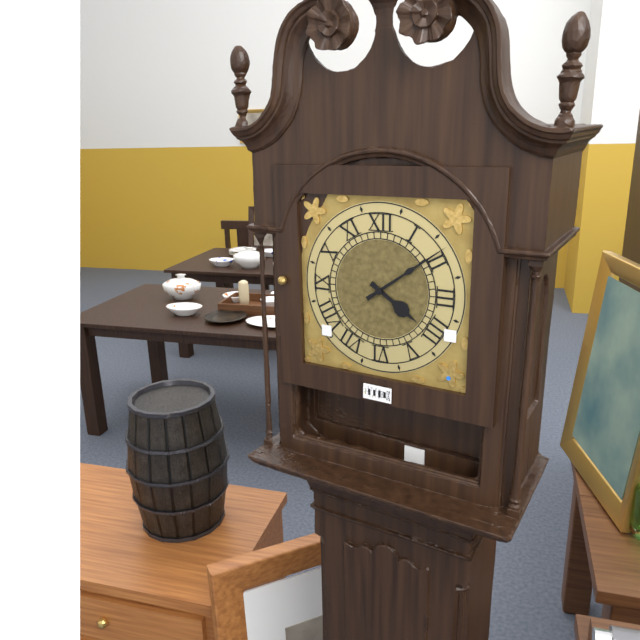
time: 4:09
